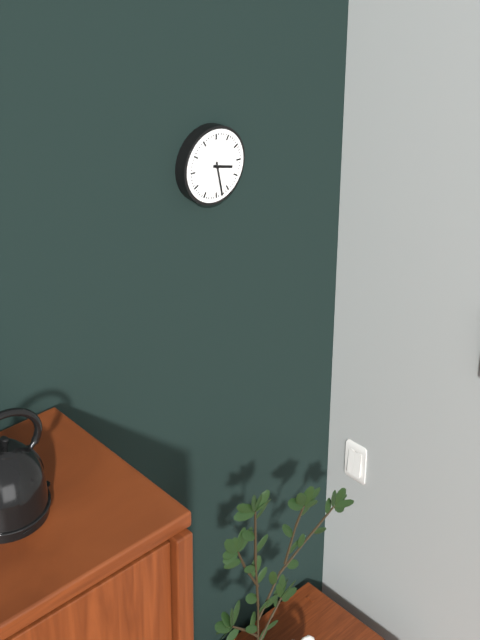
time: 3:28
